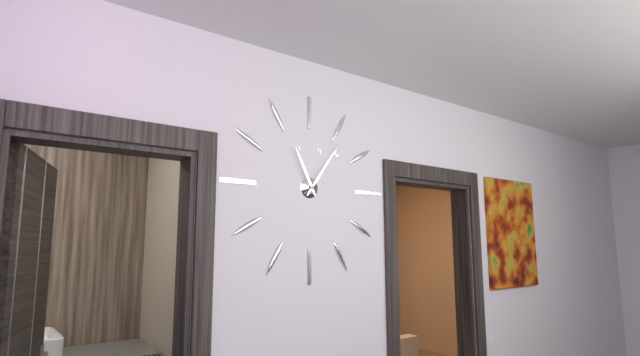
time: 11:06
